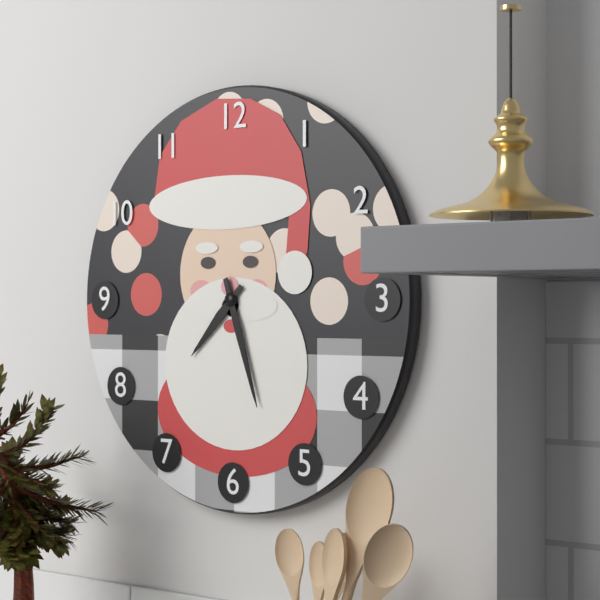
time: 7:27
